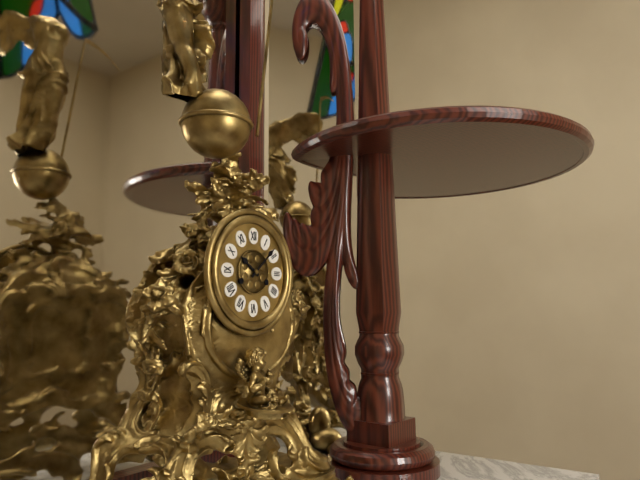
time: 10:08
